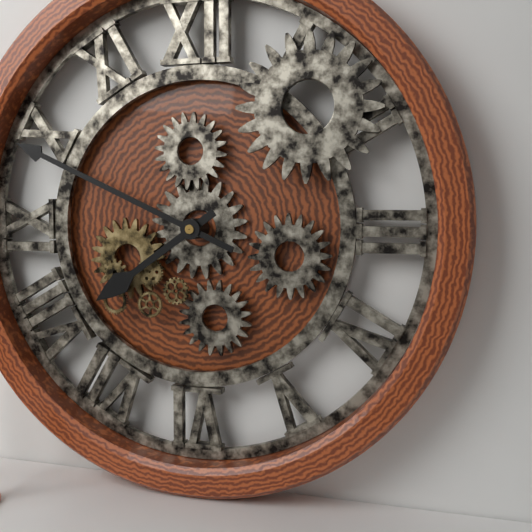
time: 7:49
